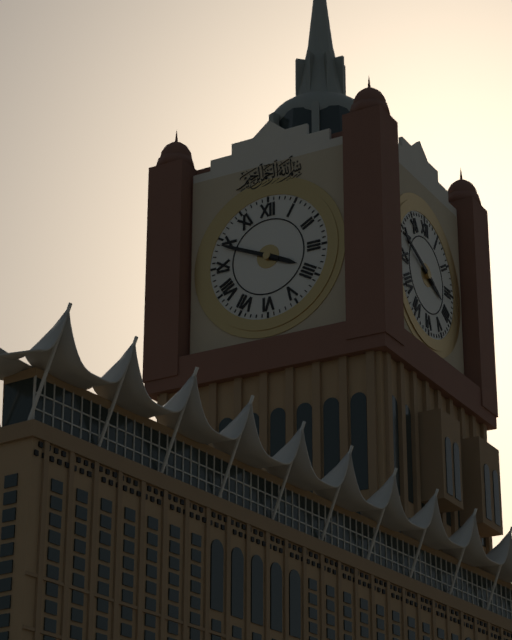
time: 3:49
